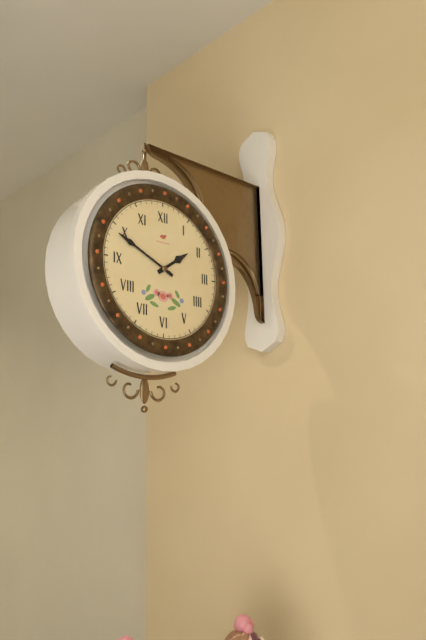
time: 1:49
